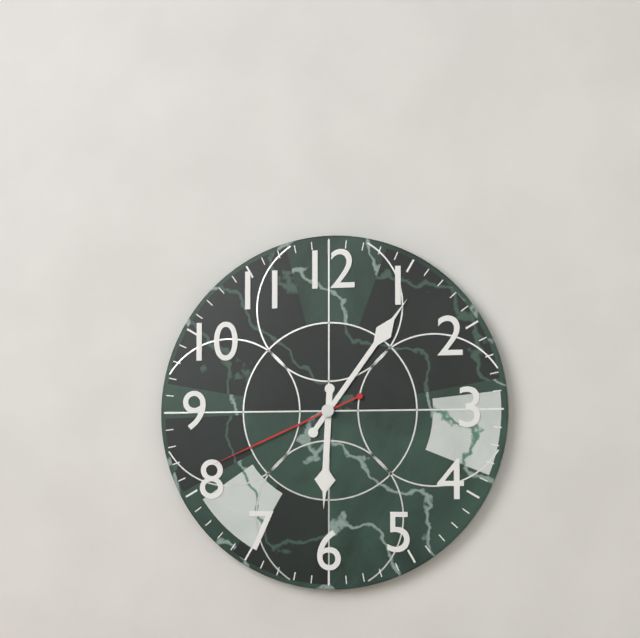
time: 6:06:41
